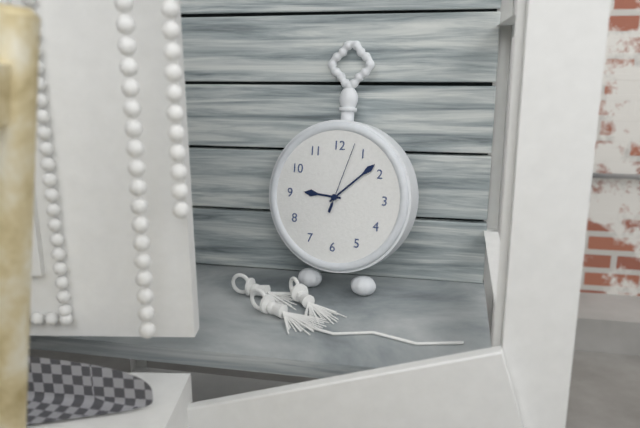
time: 9:08:03
